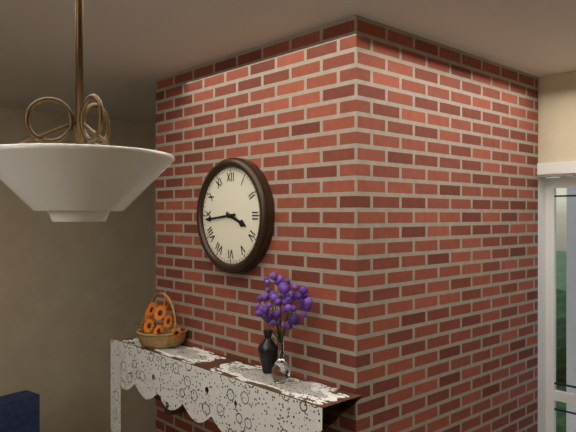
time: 3:44
